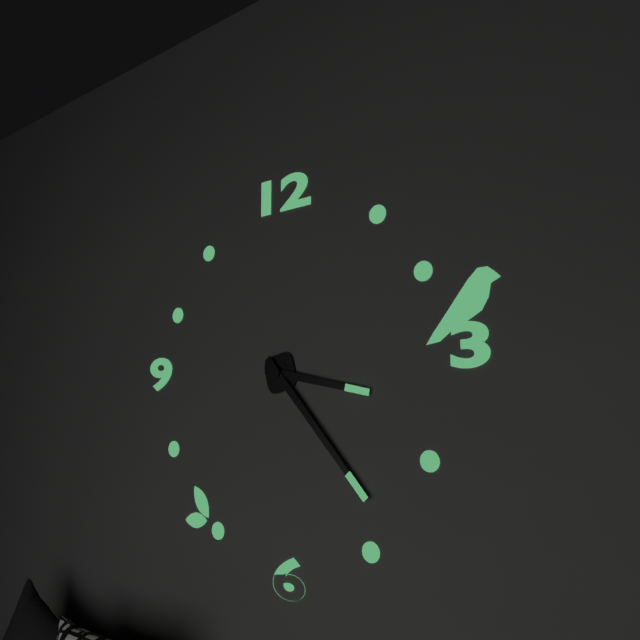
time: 3:23
